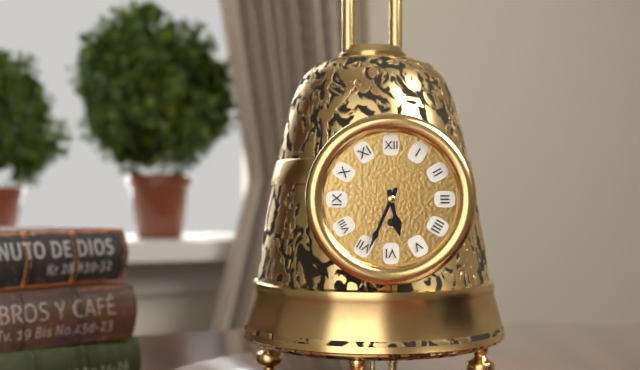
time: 5:34
